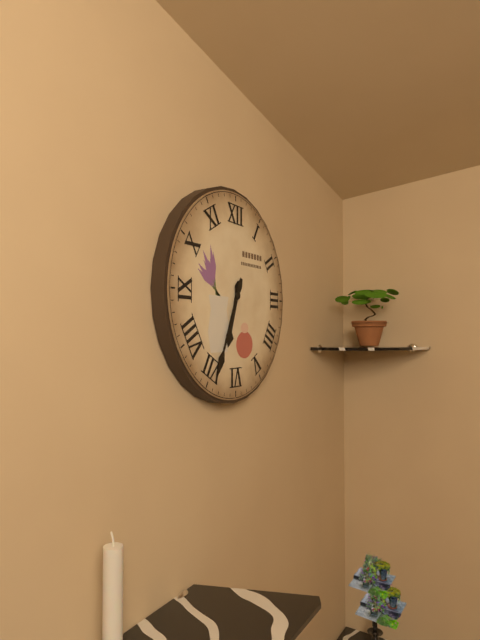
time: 6:34
